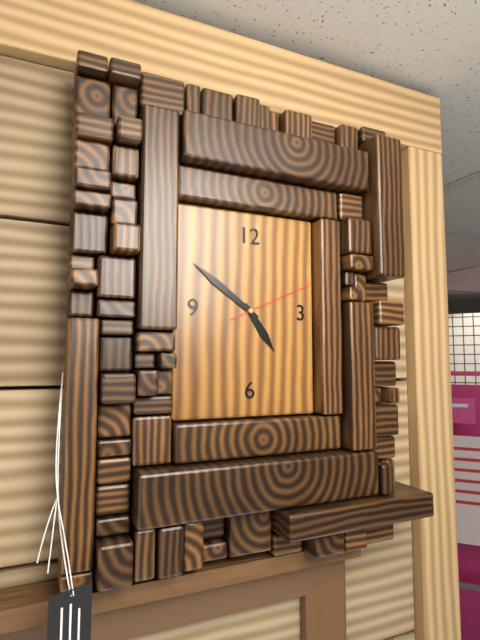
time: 4:51:11
